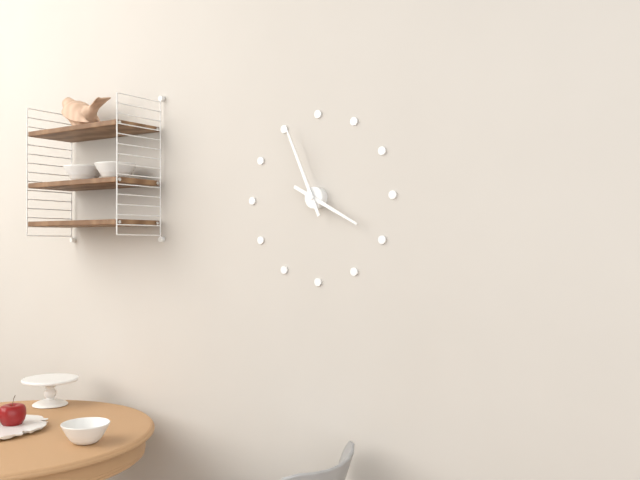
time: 3:56
